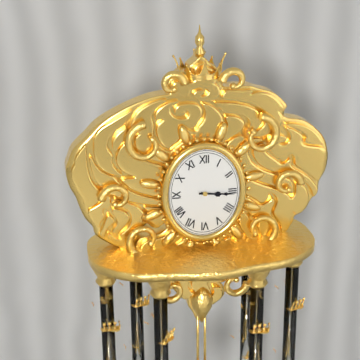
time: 3:16
